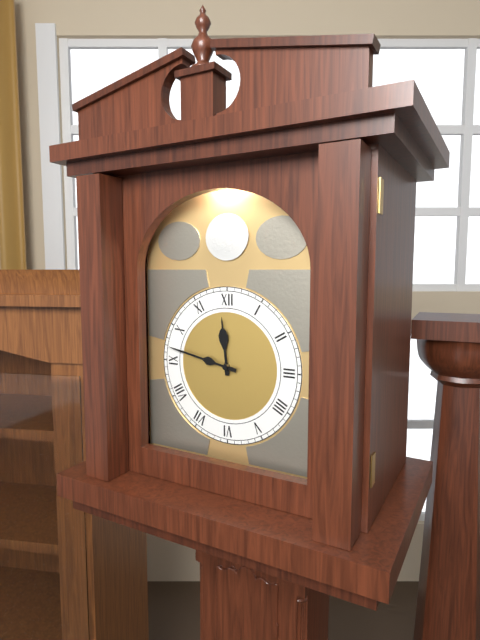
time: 11:47
